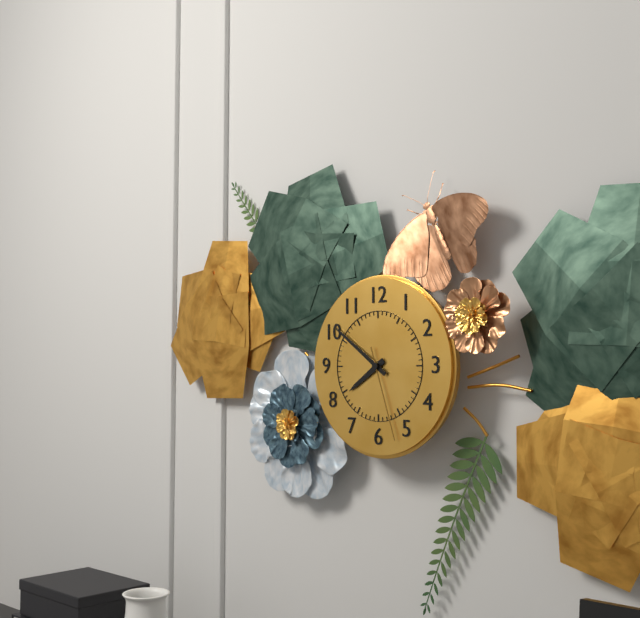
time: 7:51:27
